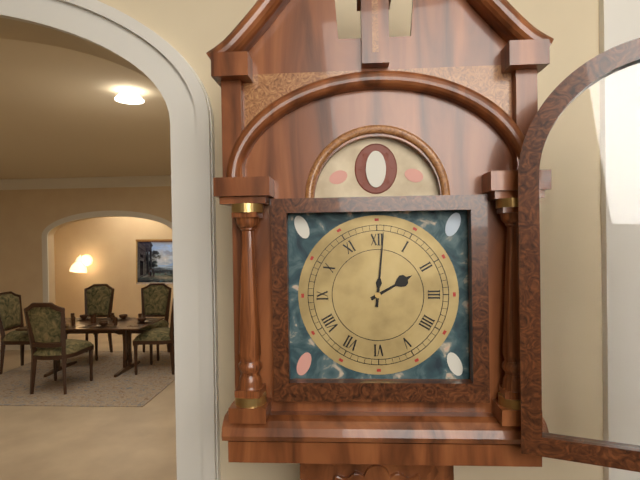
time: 2:01
